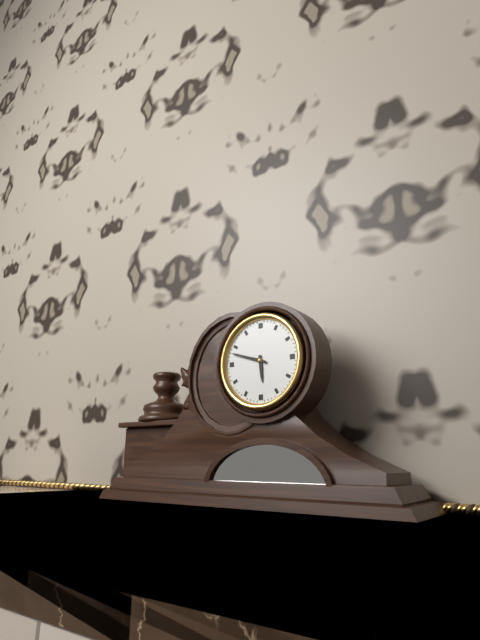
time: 5:48
